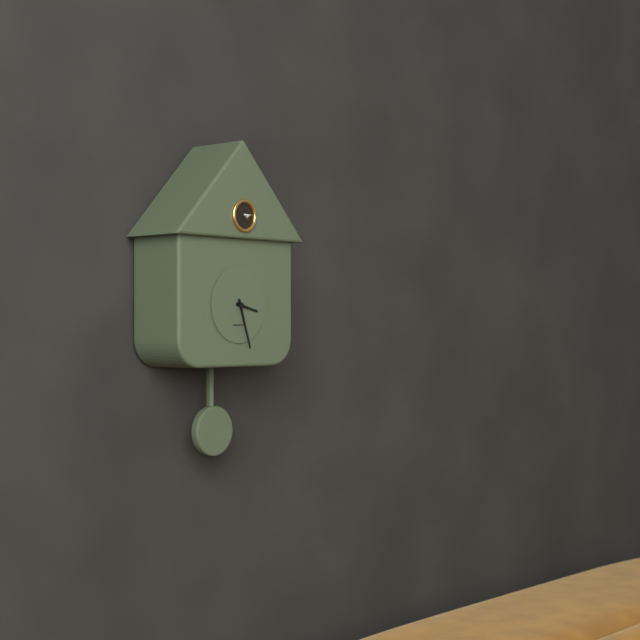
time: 3:27
